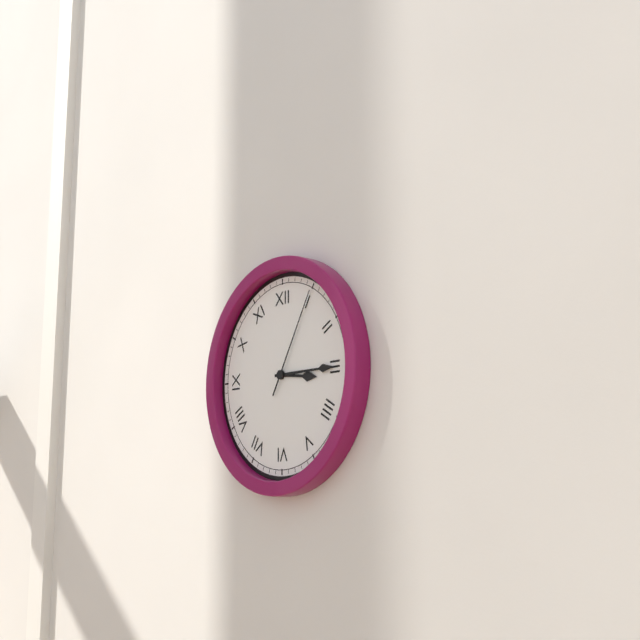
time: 3:15:05
